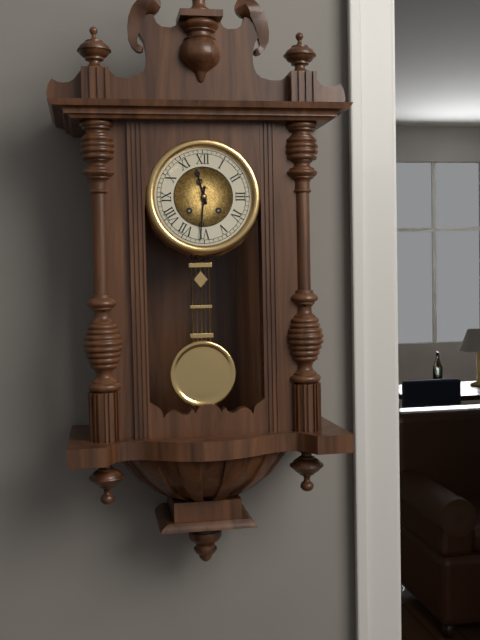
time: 11:31
